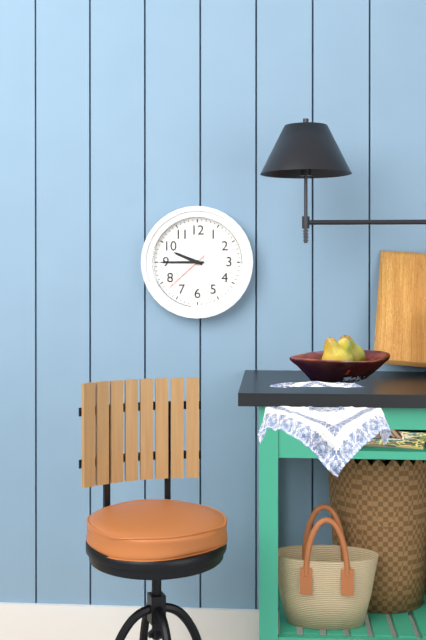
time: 9:45:38
